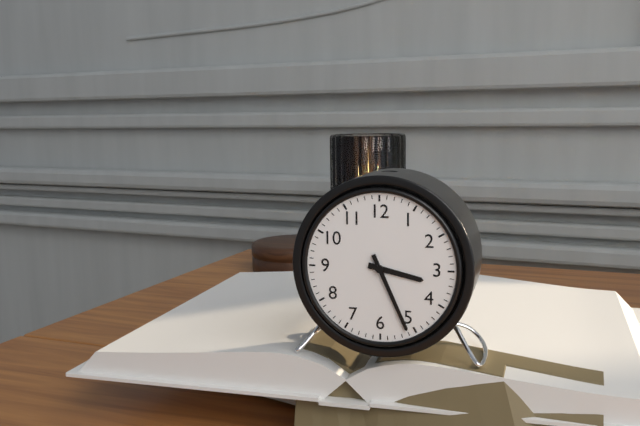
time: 3:26
